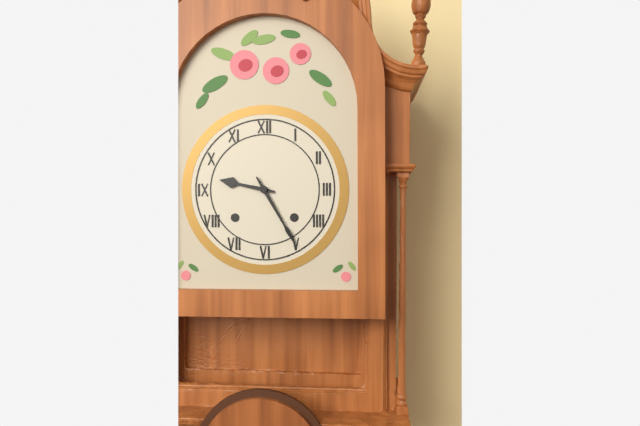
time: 9:25
